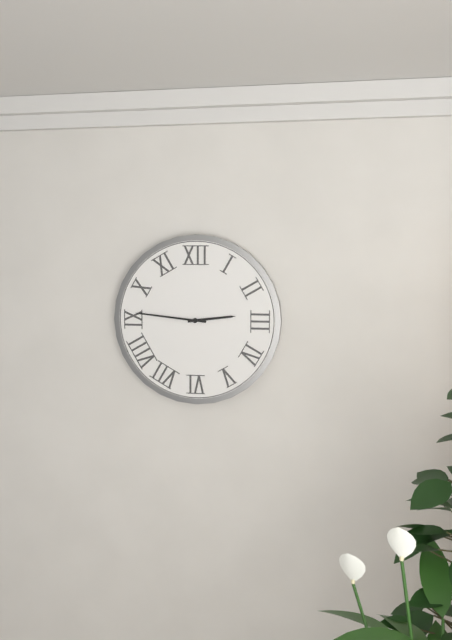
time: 2:46
